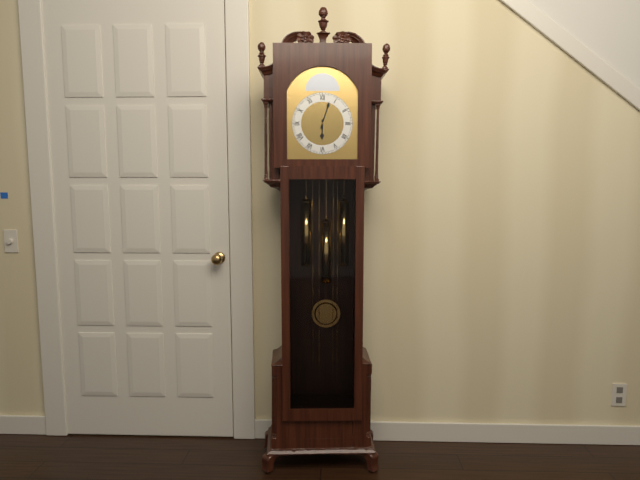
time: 6:03
